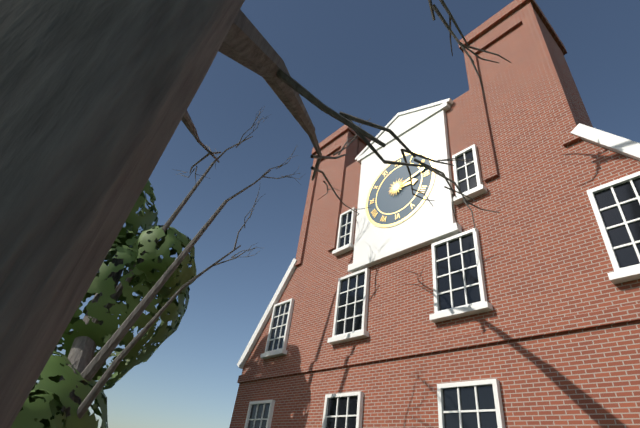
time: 3:13
